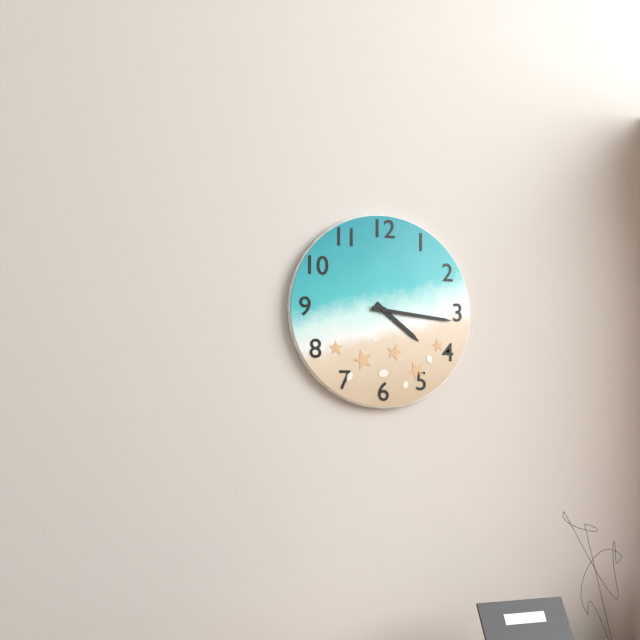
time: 4:16
